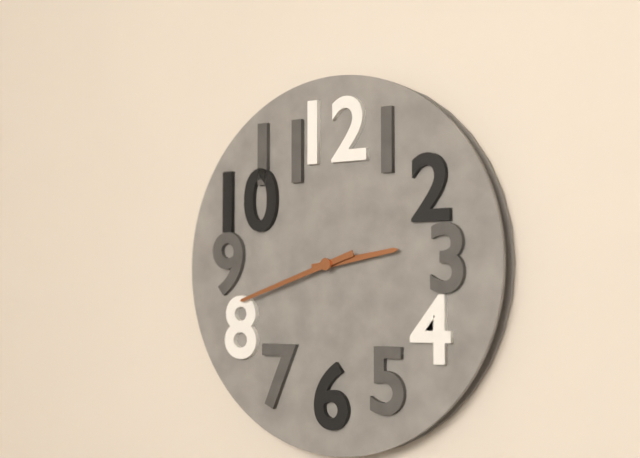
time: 2:42
